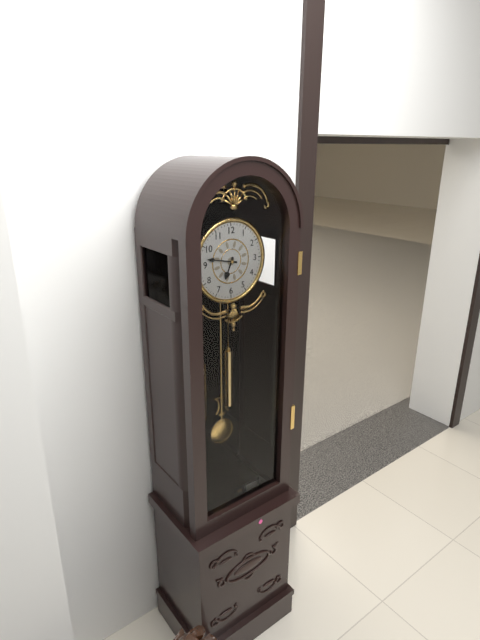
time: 6:47
